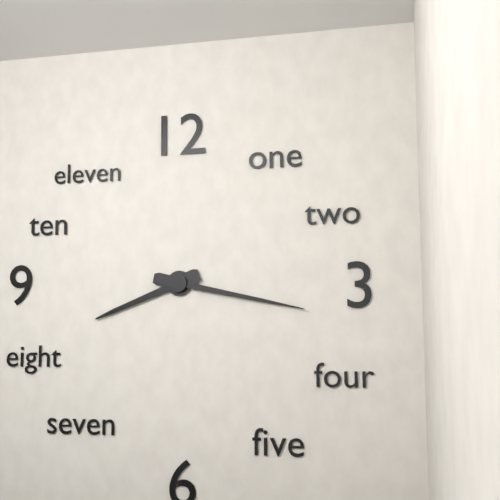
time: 8:17
